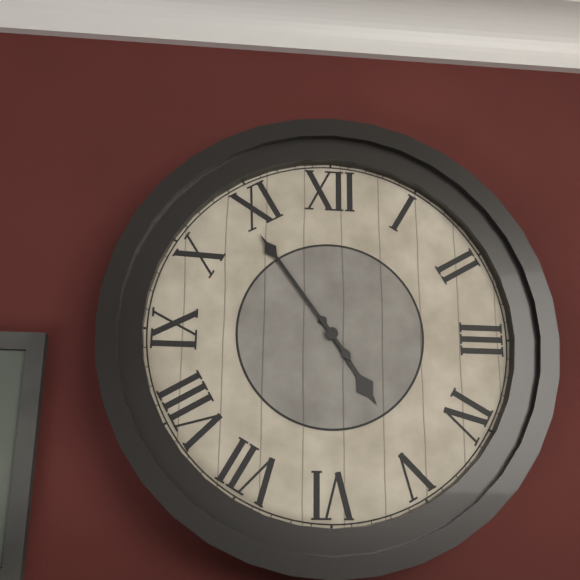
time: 4:54
